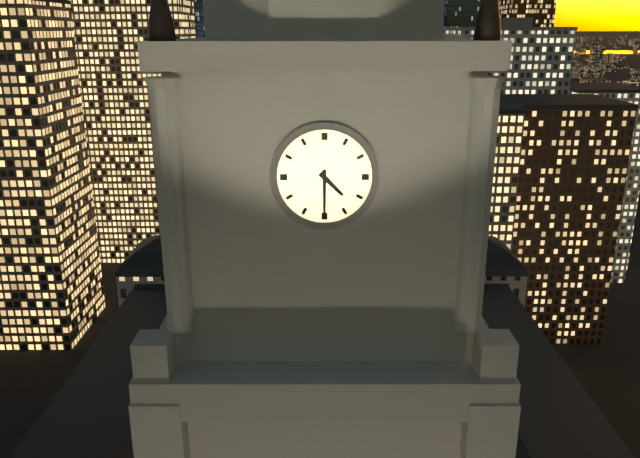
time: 4:30
